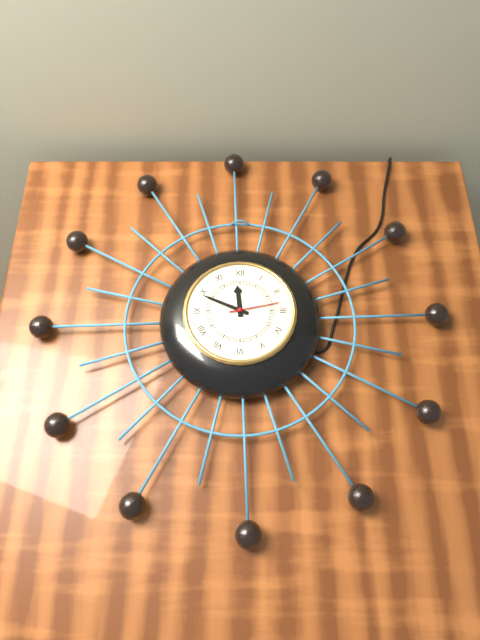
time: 11:49
